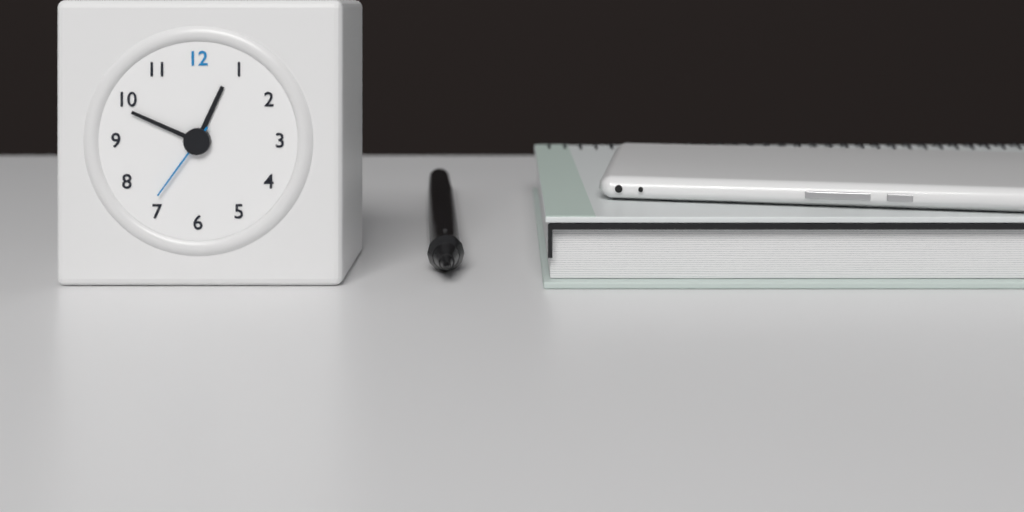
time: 12:49:36
